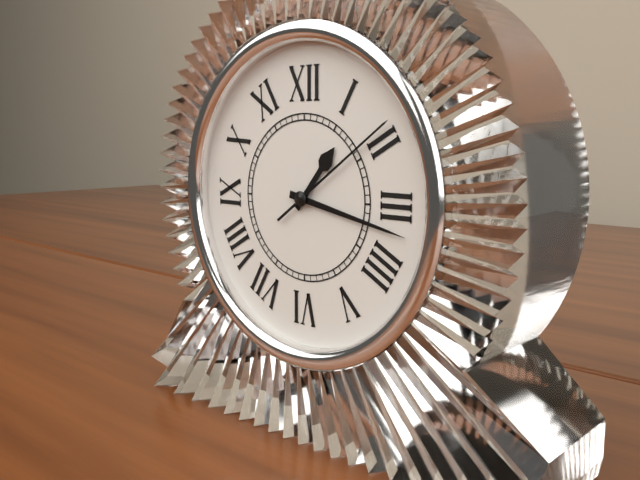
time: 1:17:09
